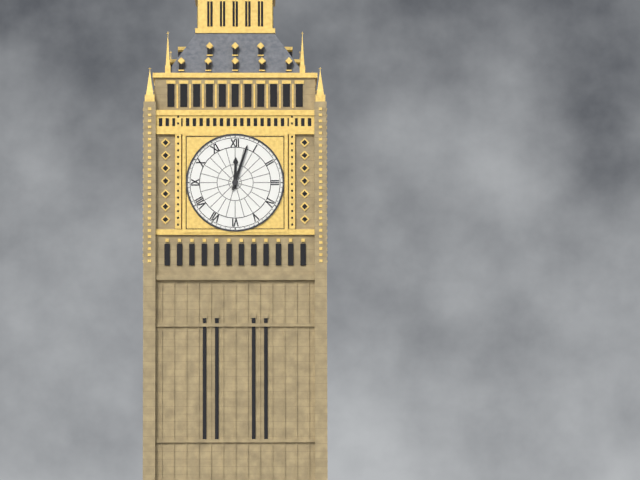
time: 12:03
